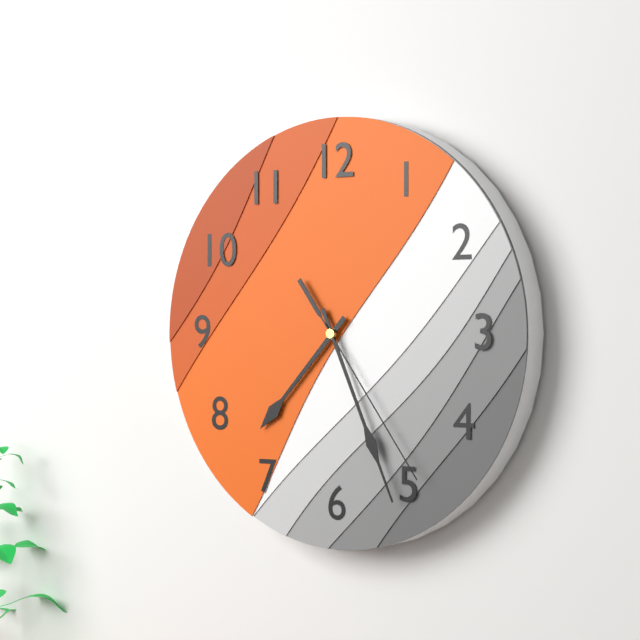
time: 7:26:24
